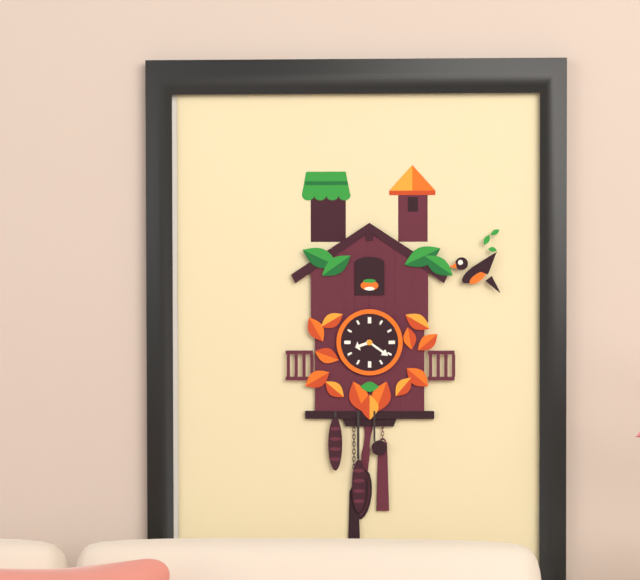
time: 8:21
